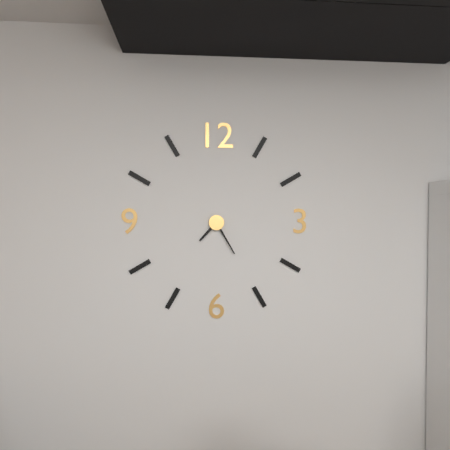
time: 7:25
